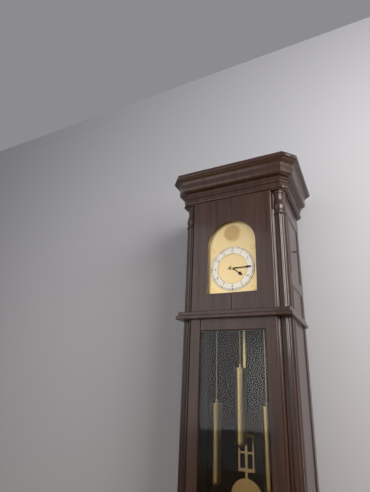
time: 4:15
